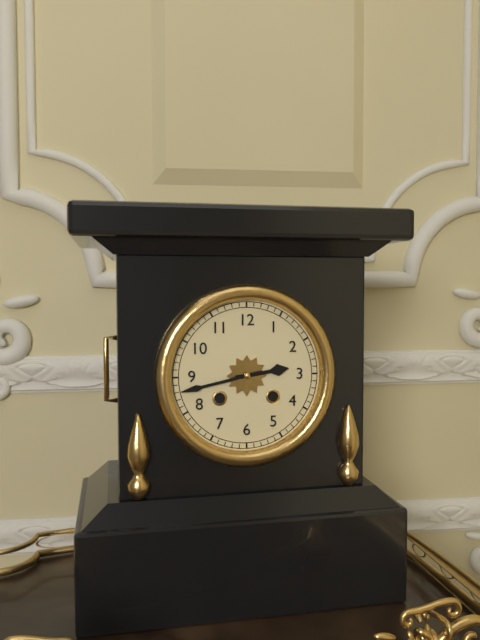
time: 2:43
